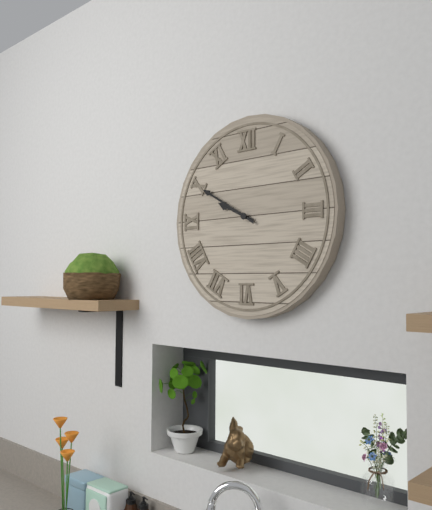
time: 9:50
